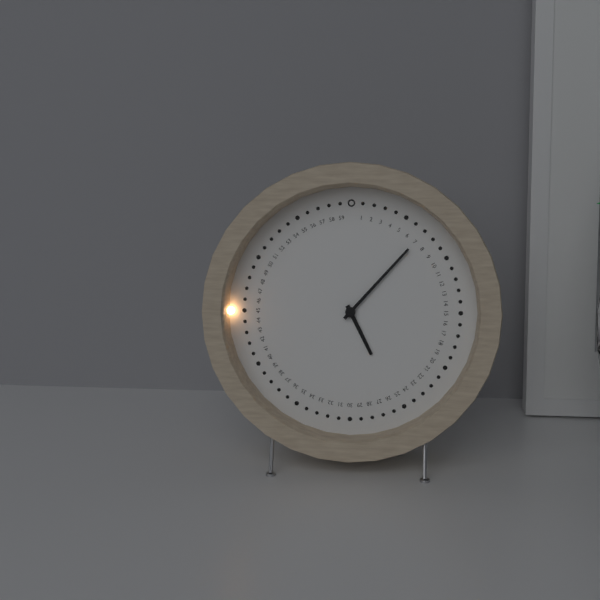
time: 5:07
